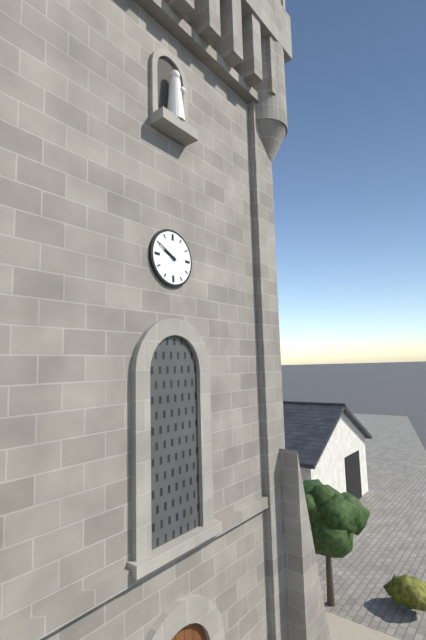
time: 9:50
